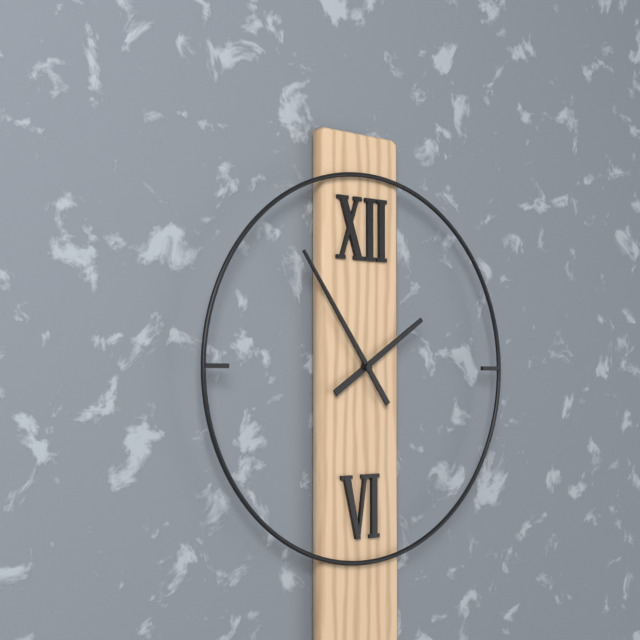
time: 1:54
